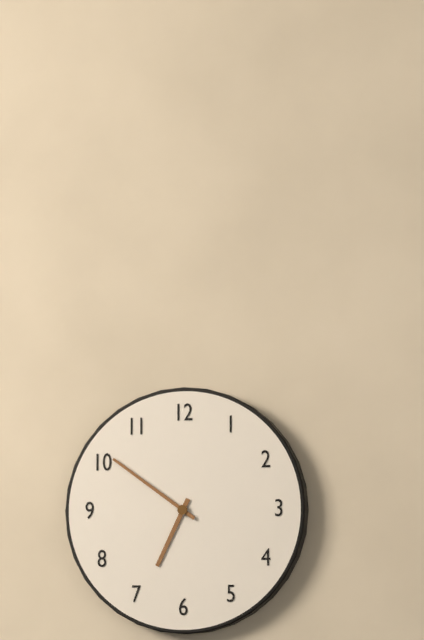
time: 6:51
